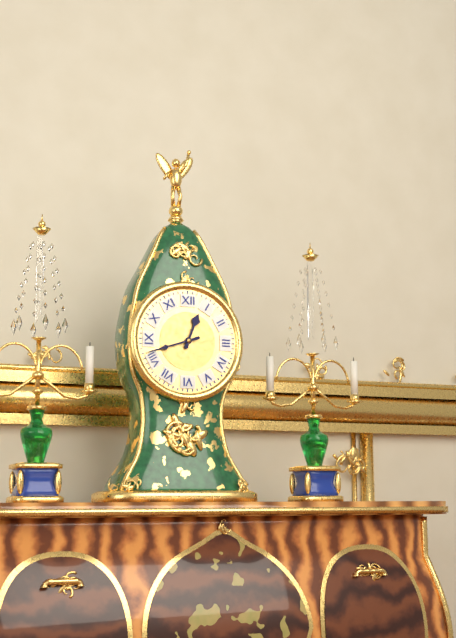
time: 12:42
